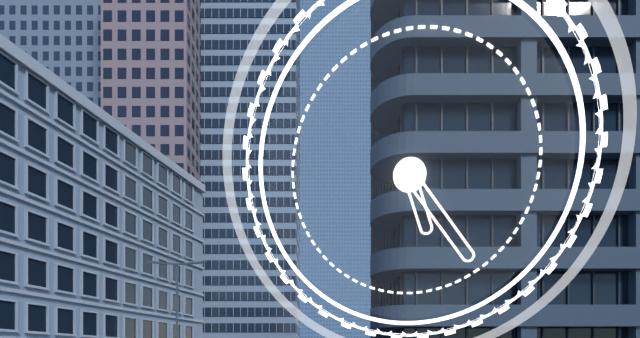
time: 5:24
